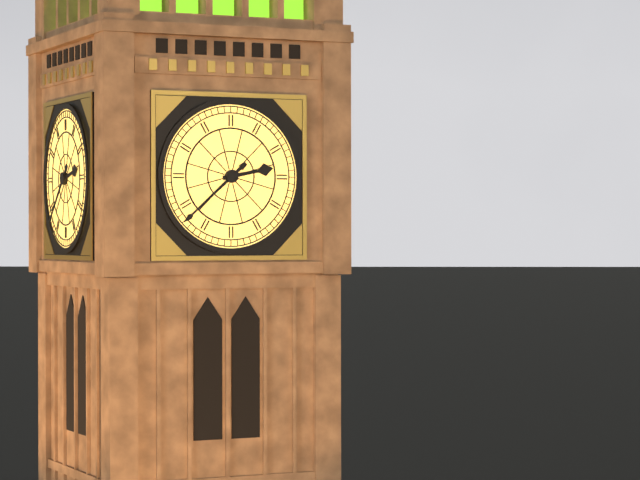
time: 2:38
